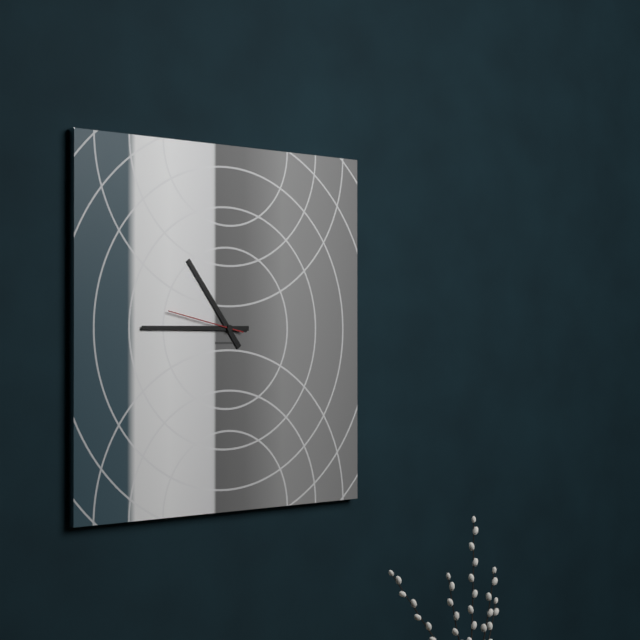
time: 10:45:47
